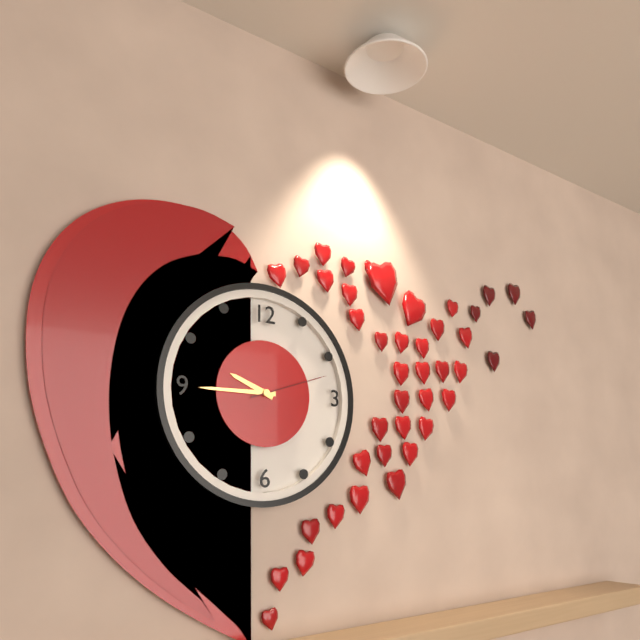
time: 9:45:12
